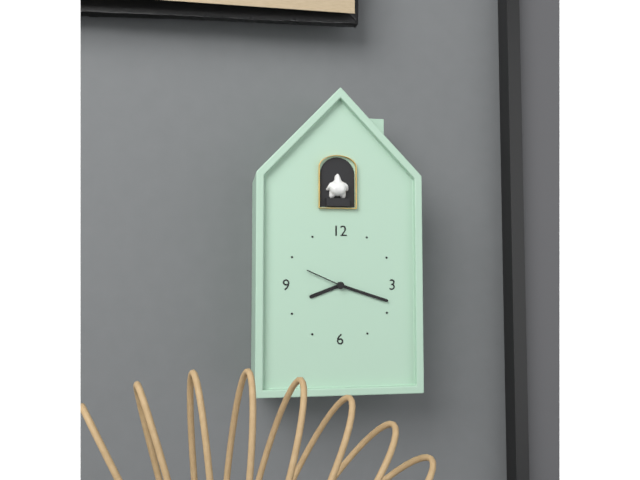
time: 8:18
